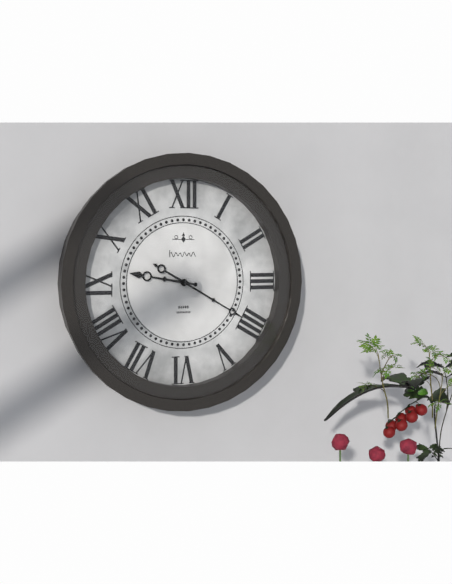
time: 9:20
